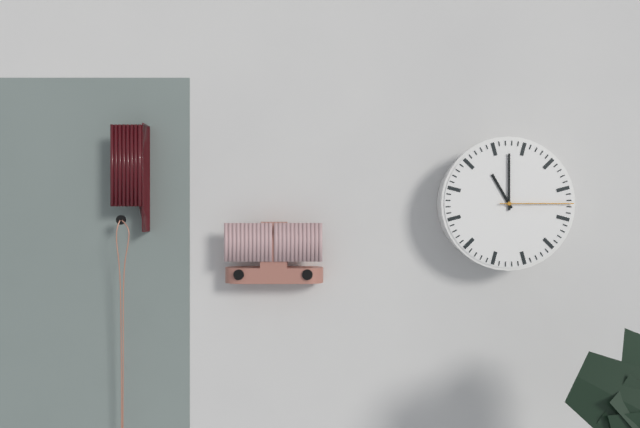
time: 11:00:15
